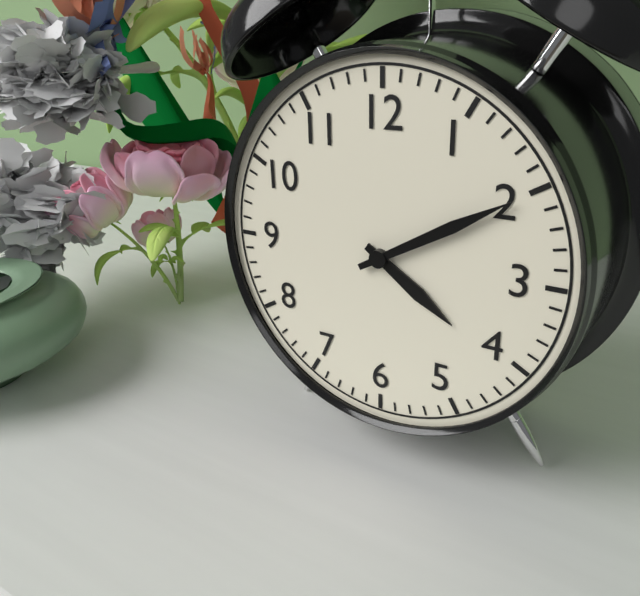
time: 4:10
